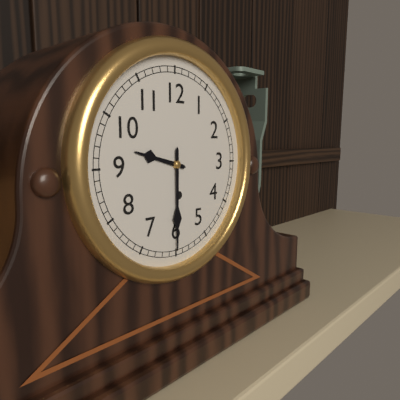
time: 9:30
